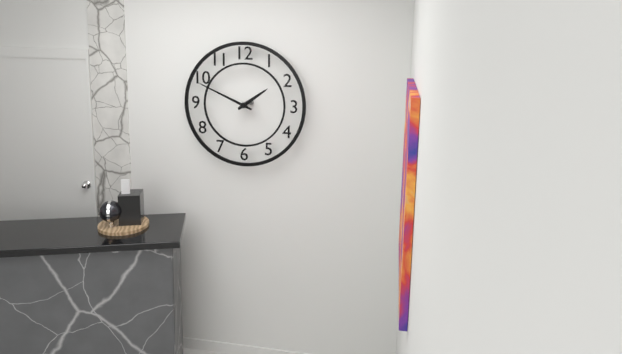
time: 1:49
